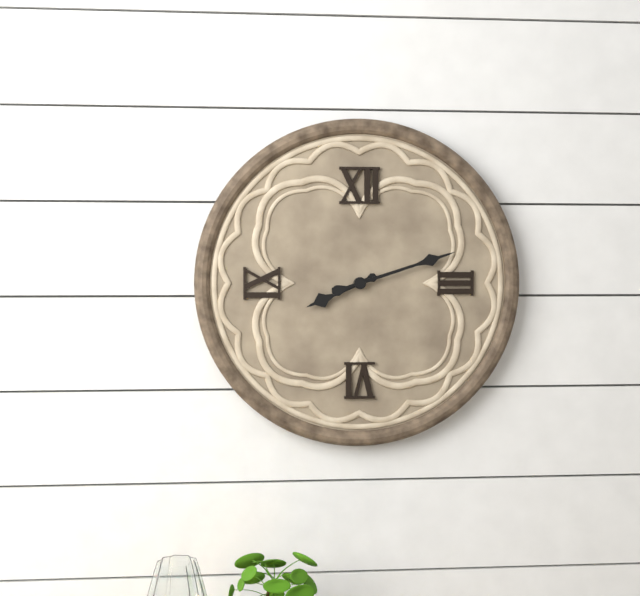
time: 8:12
